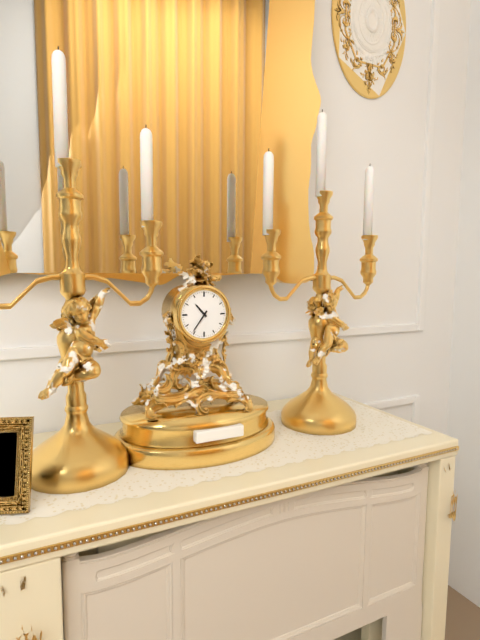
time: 10:36
